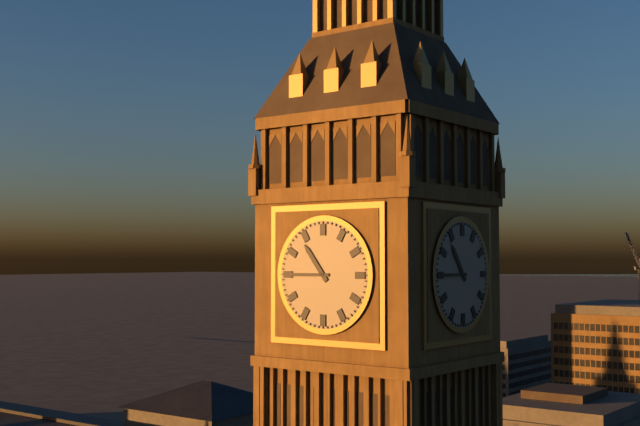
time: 10:45
